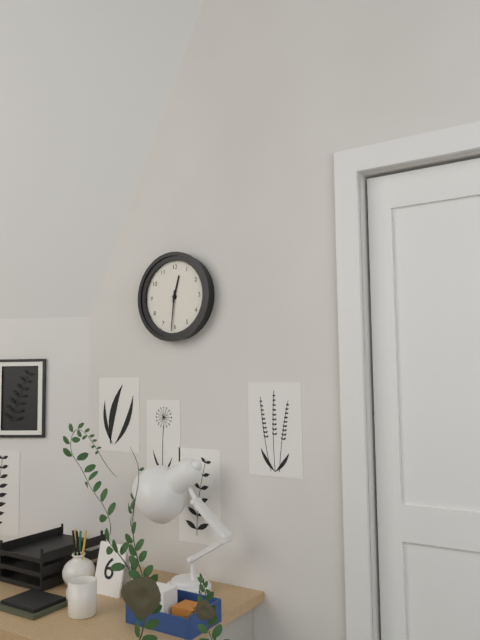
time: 12:31
